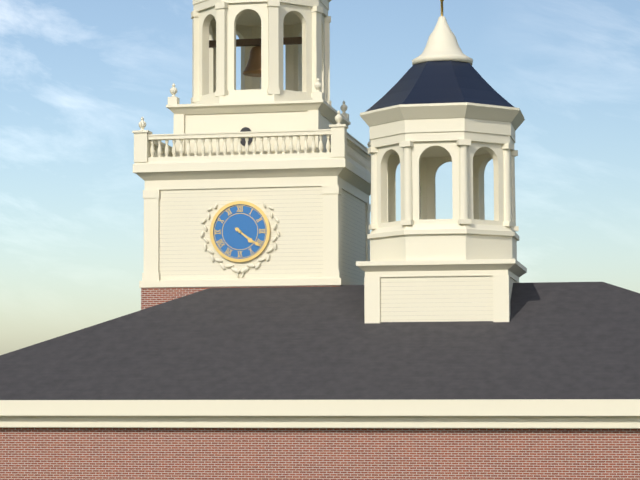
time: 4:21
